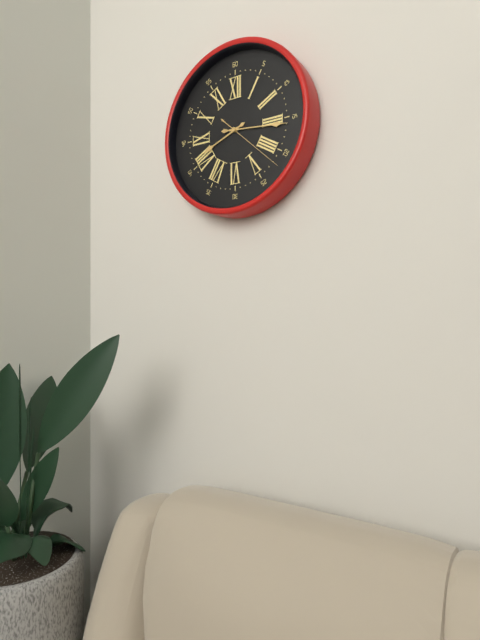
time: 8:16:22
